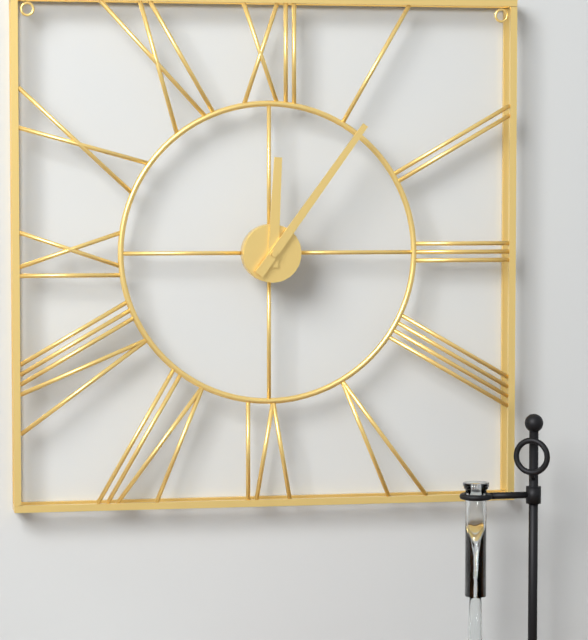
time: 12:06
